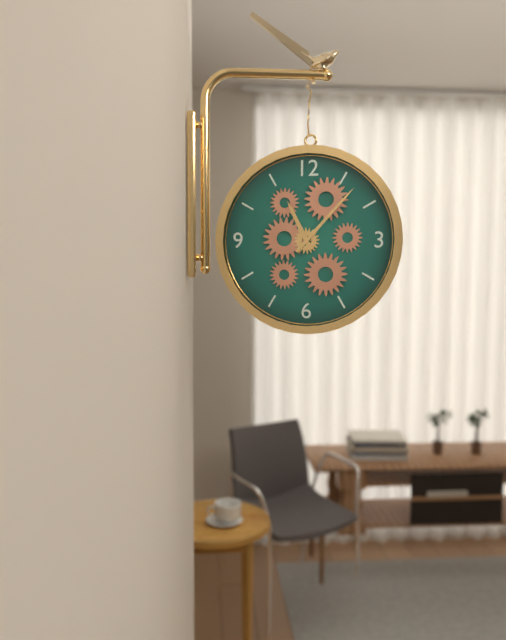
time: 11:07
